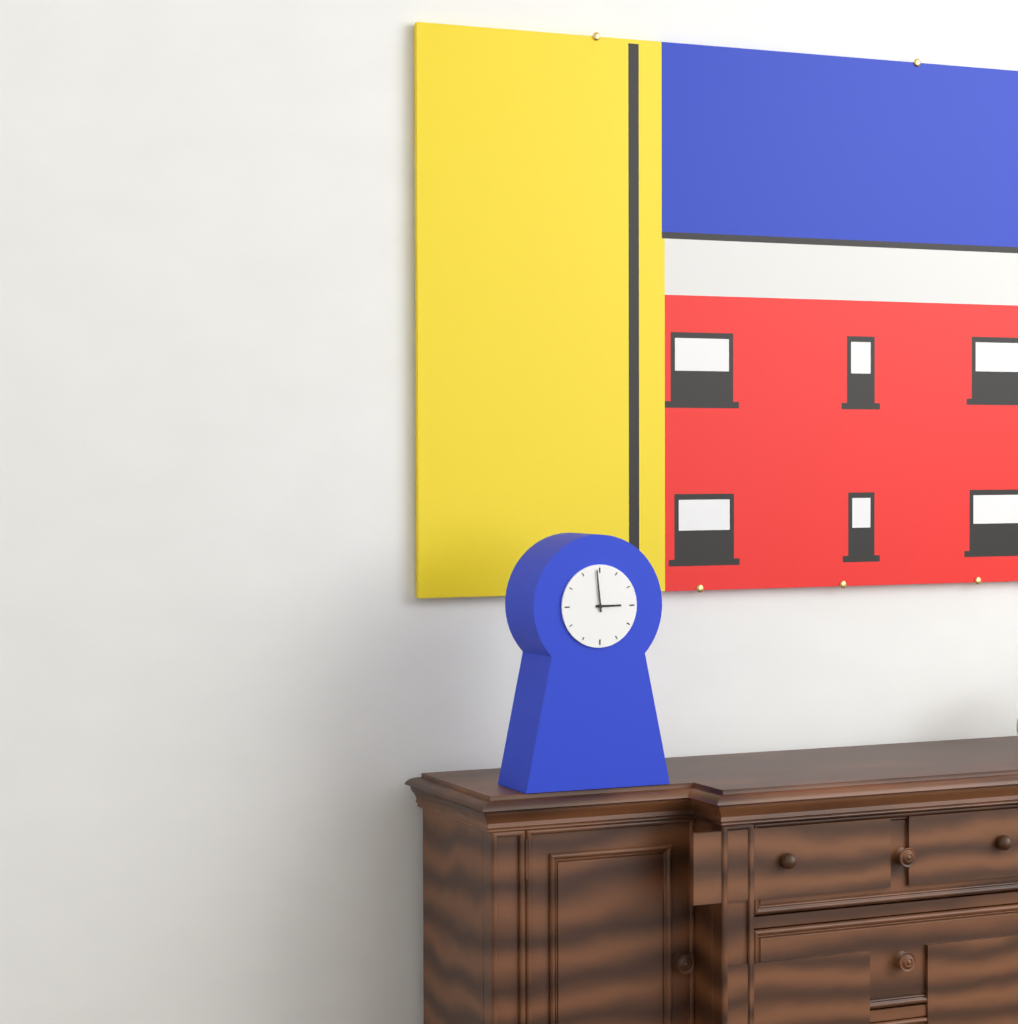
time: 2:59
